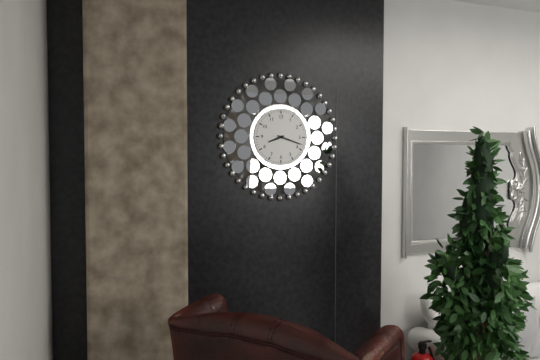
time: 8:18
